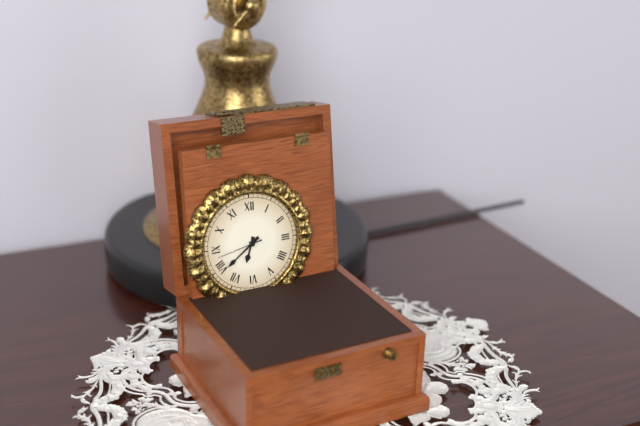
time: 6:39
